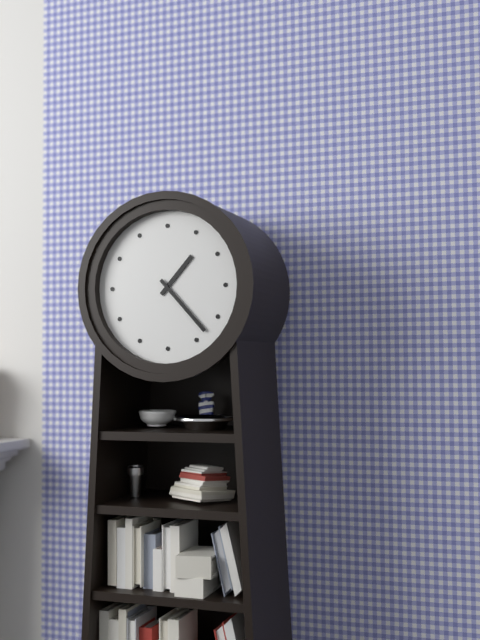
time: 1:23
